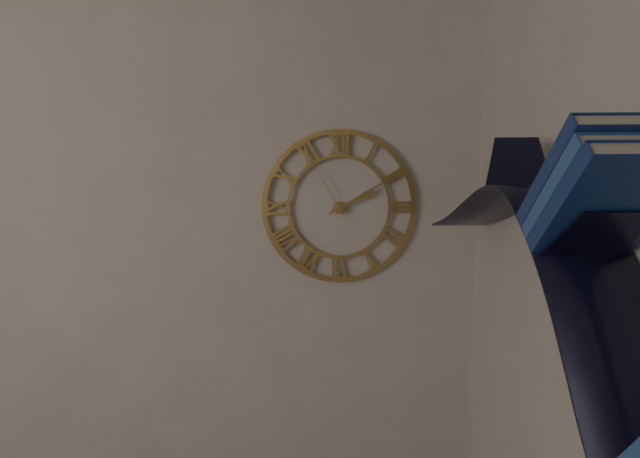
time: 2:10:55
